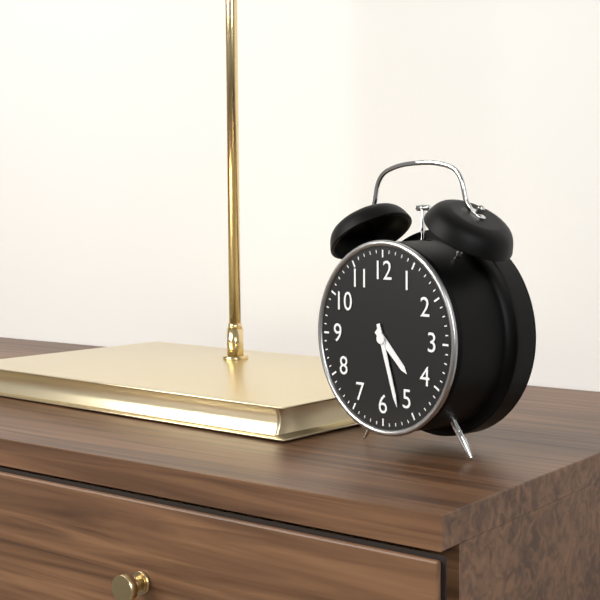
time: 4:27
